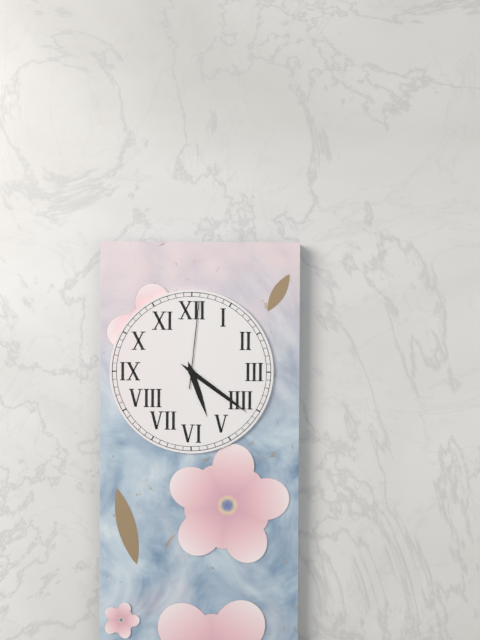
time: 5:21:01
